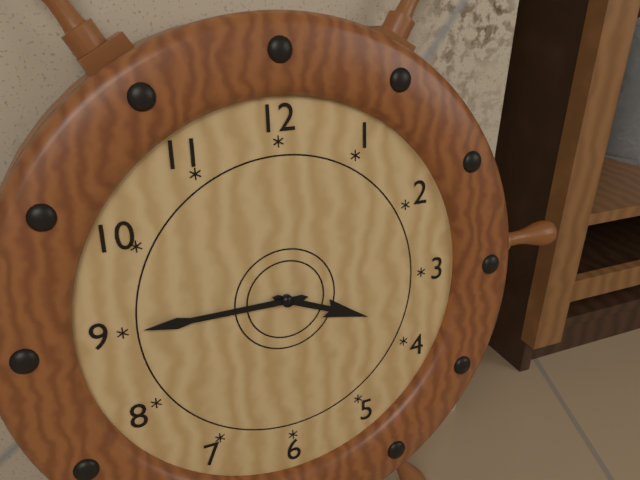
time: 3:45
